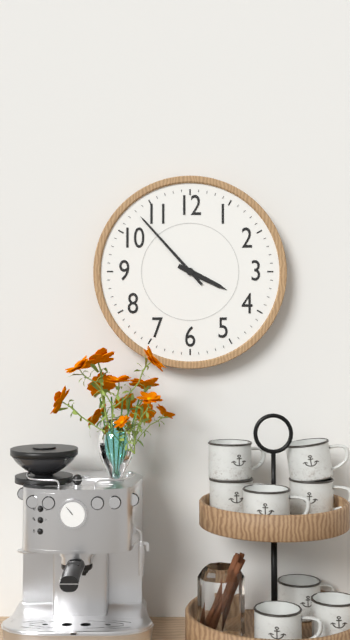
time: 3:53
